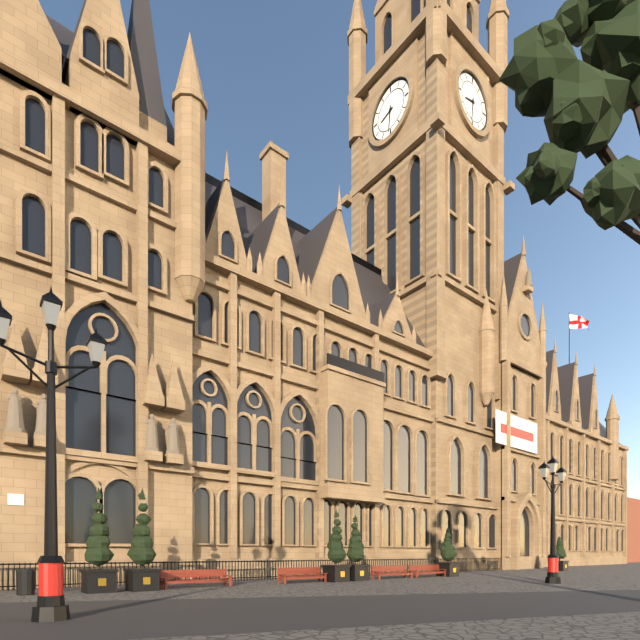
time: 8:31
